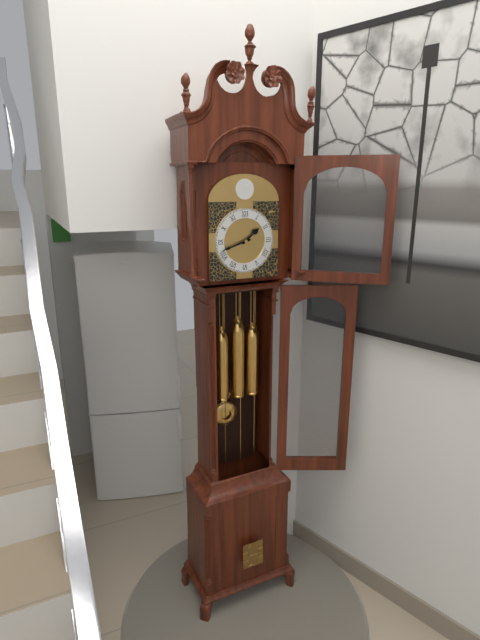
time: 1:42
